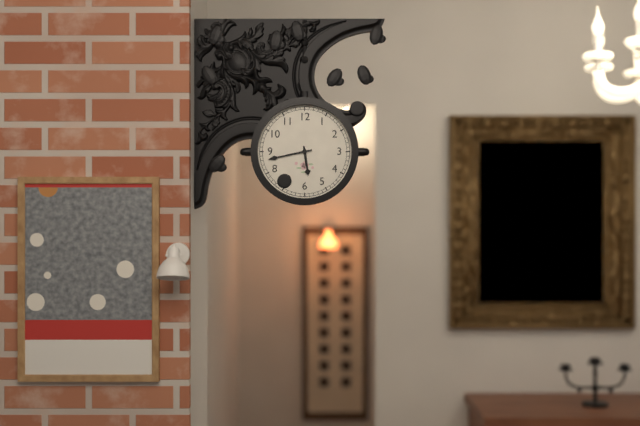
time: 5:43
